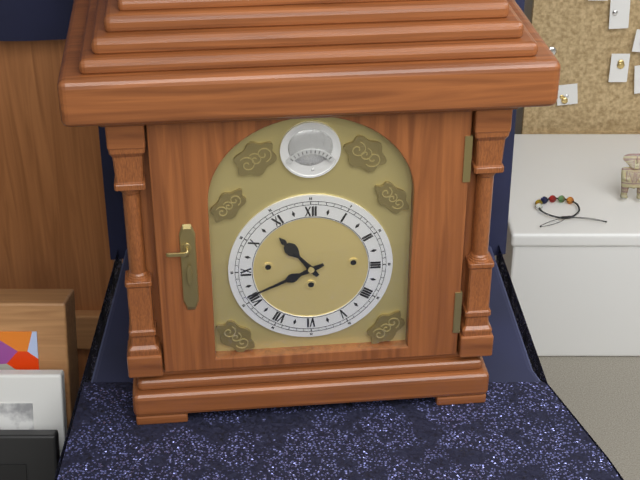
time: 10:41
